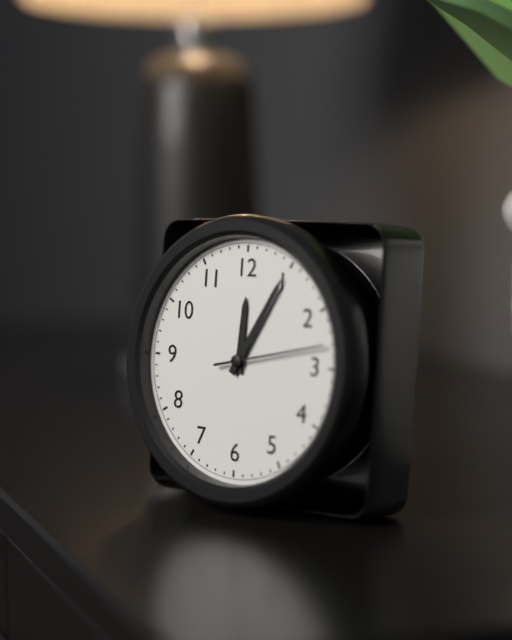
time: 12:05:13
